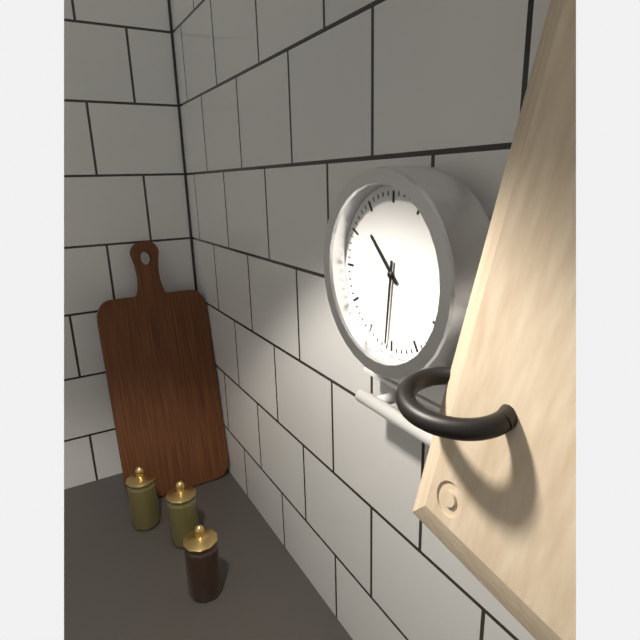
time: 10:31
